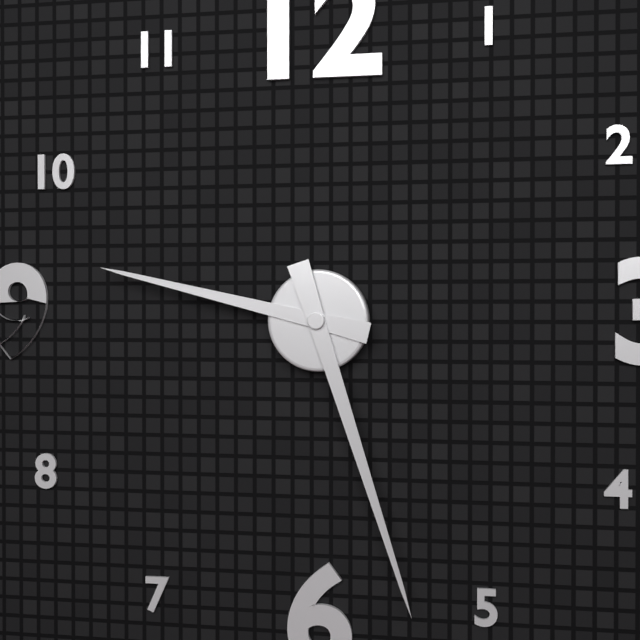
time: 9:27
